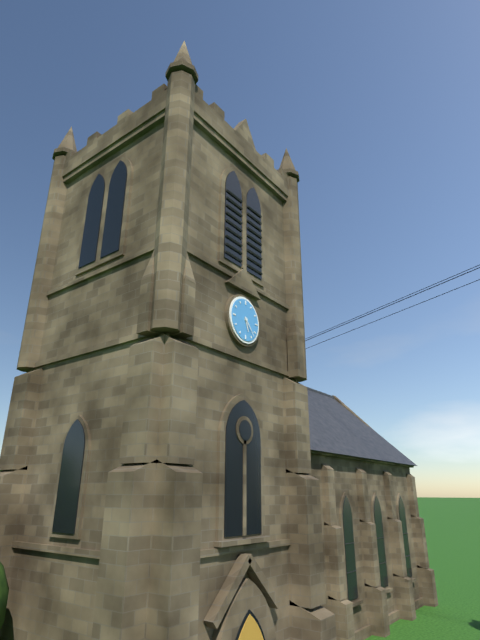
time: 5:23
